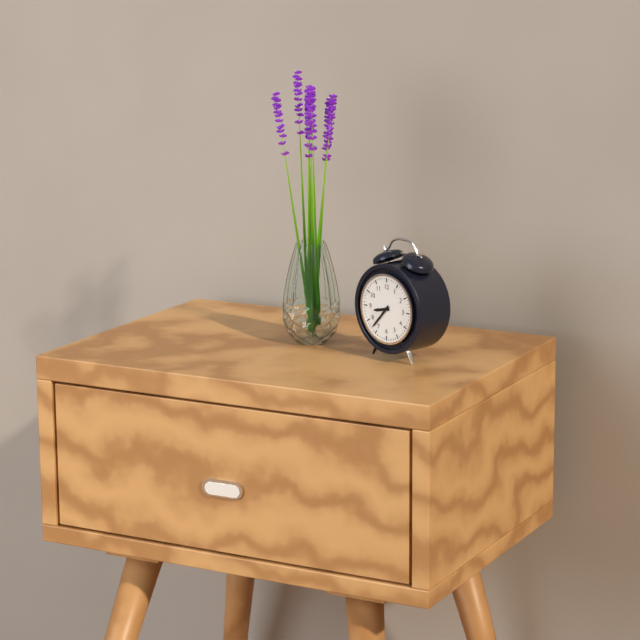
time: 8:37
